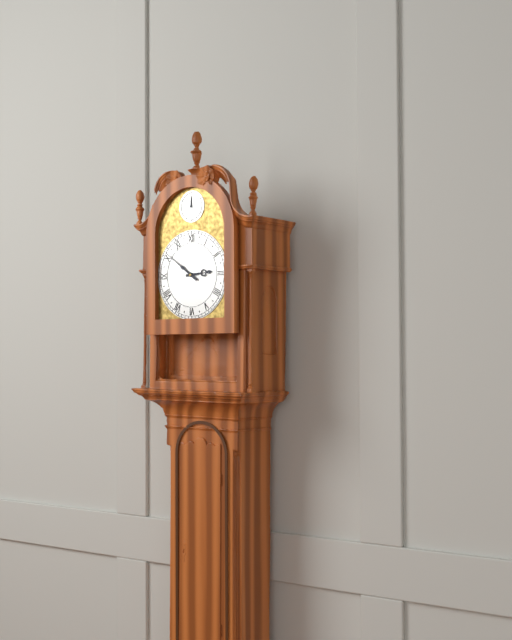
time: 2:51
